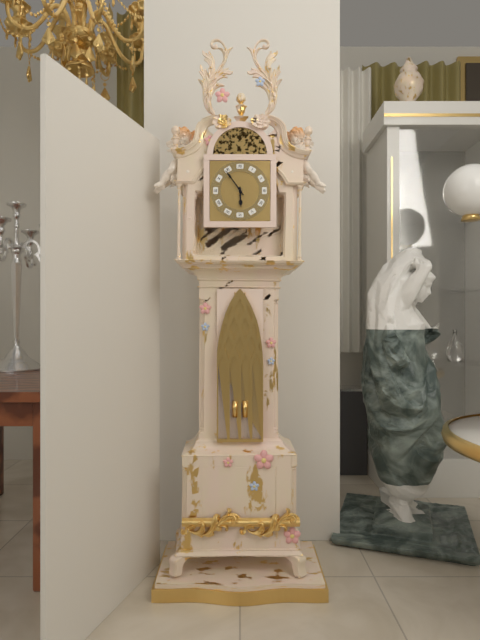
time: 5:54
